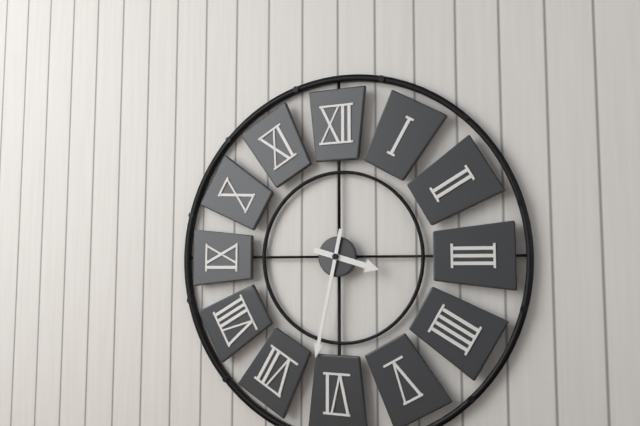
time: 3:32
